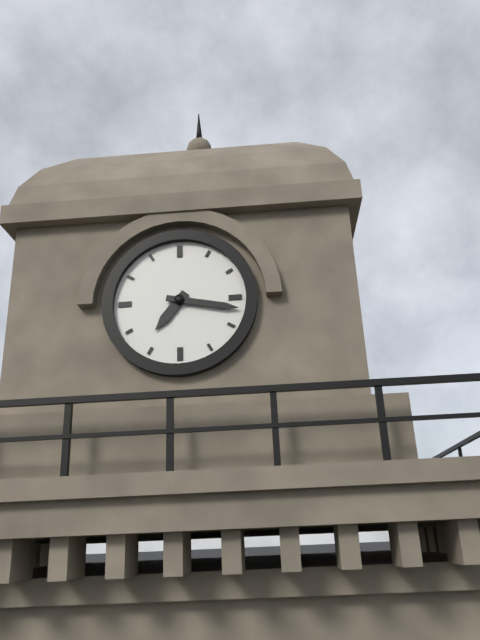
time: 7:17
